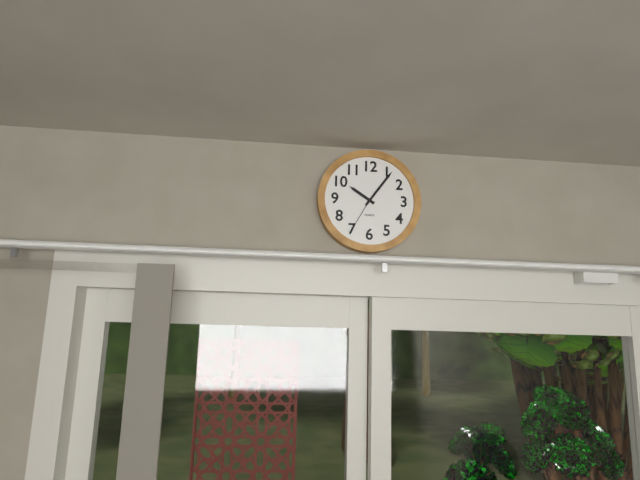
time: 10:06
